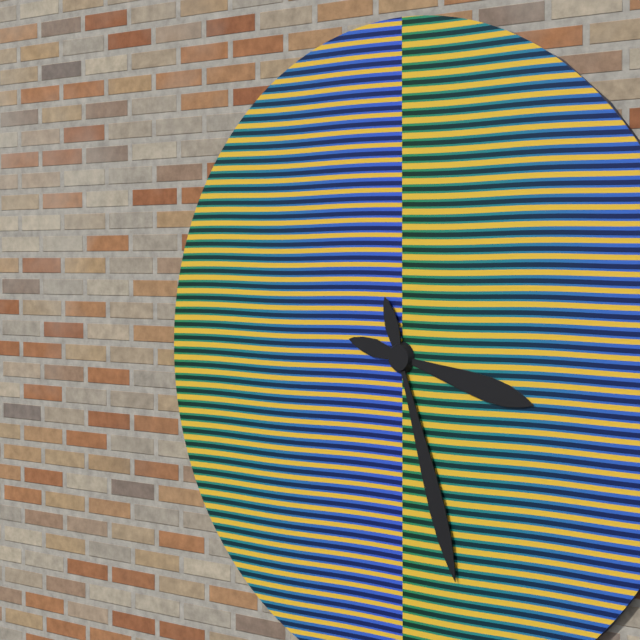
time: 3:27
